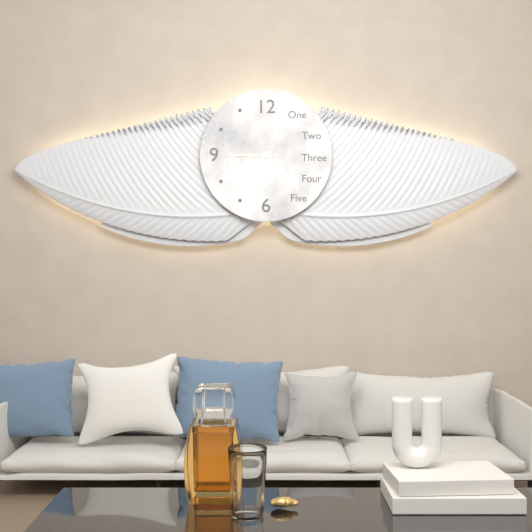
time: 7:45
